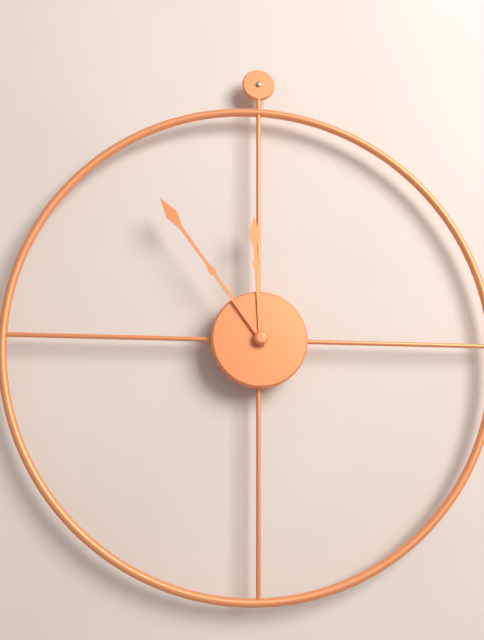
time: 11:54
